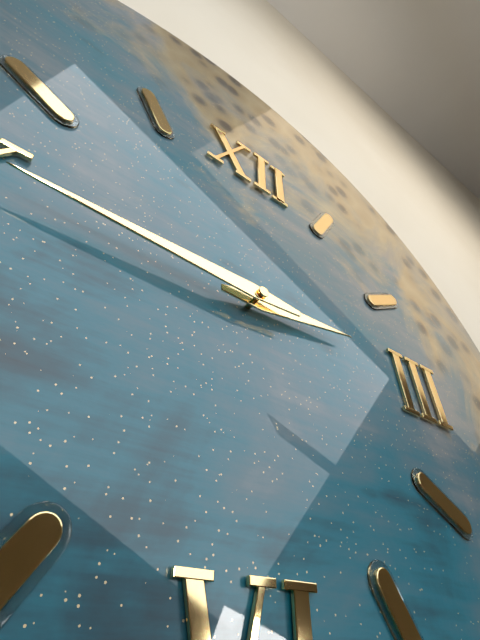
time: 2:45
